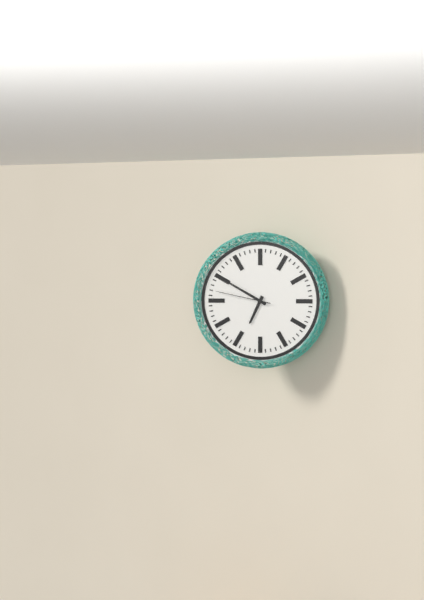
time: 6:50:47
